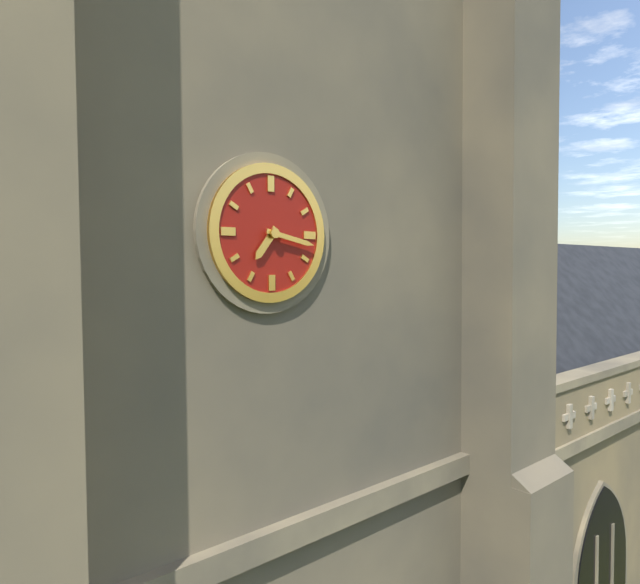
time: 7:17
